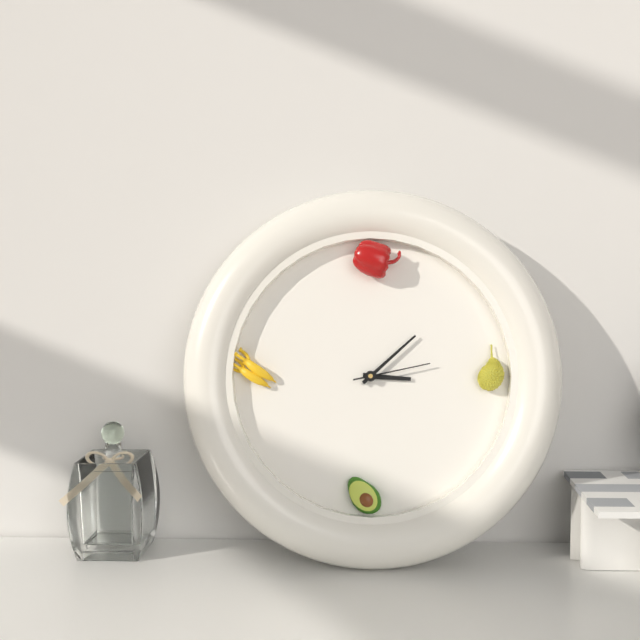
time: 3:08:13
